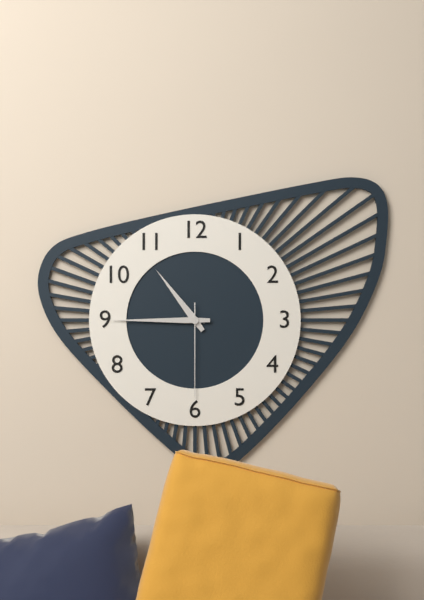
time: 10:45:30
